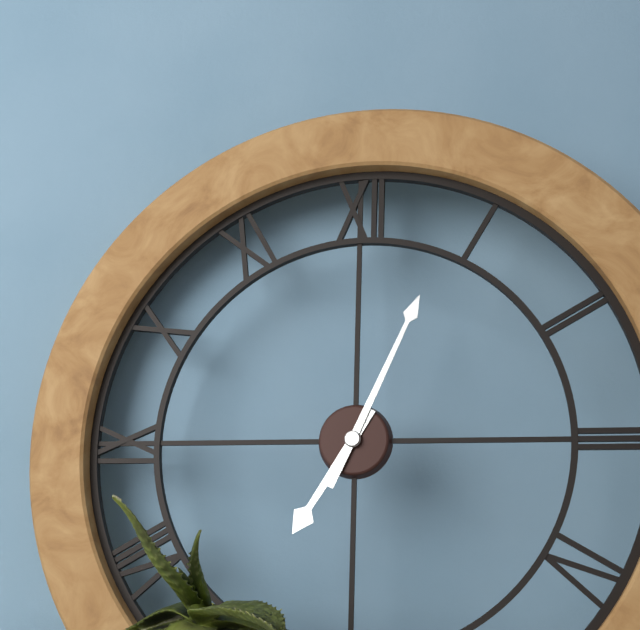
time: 7:04
